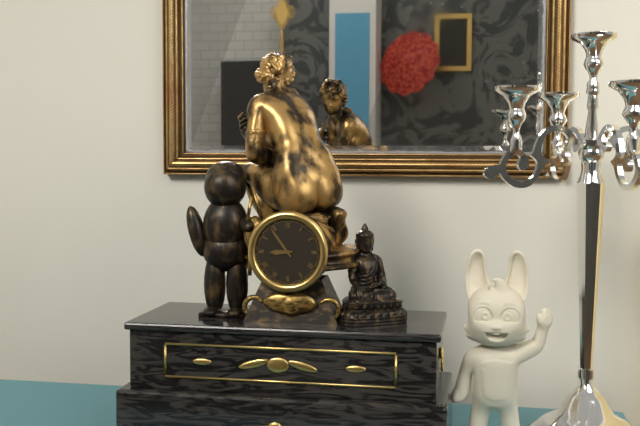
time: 8:54
